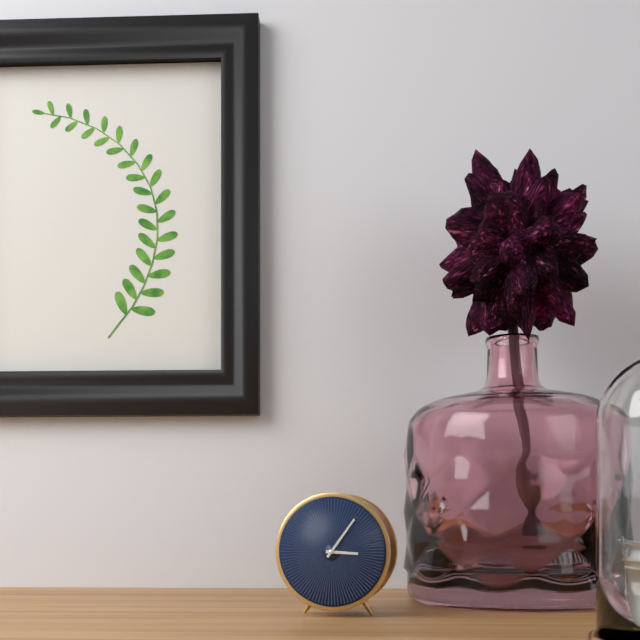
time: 3:06
